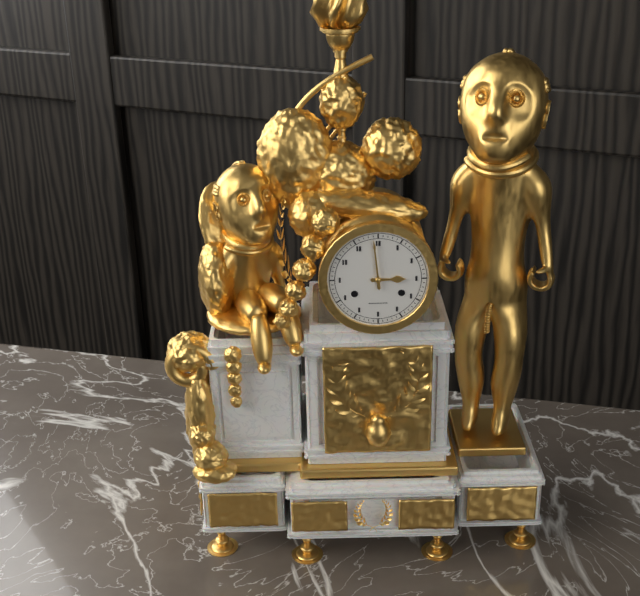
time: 2:59
